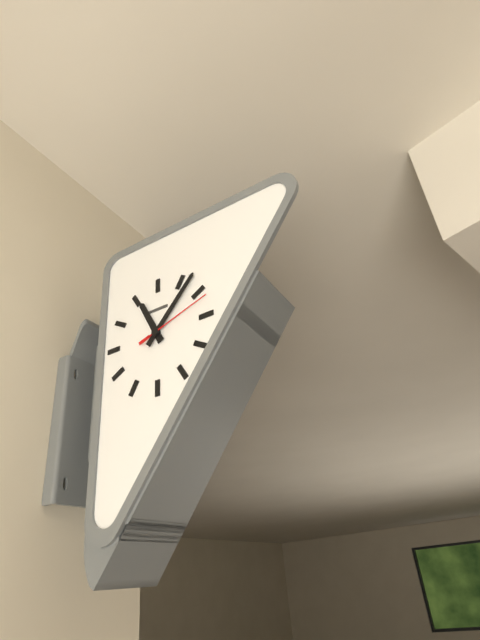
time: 11:07:12
